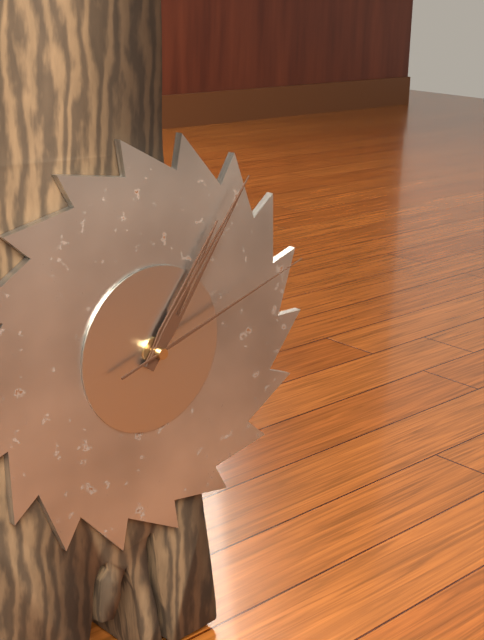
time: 1:06:12
